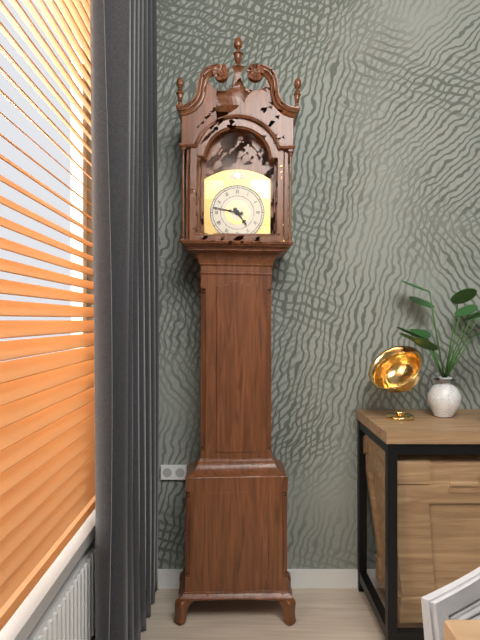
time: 4:47
